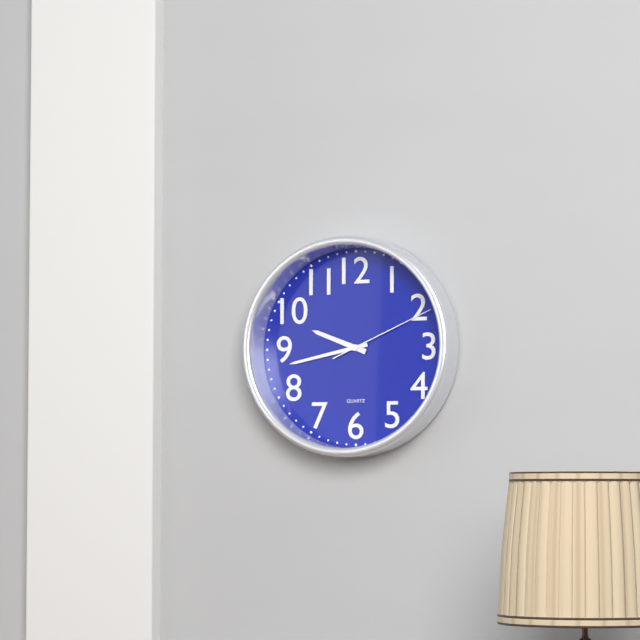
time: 9:43:11
